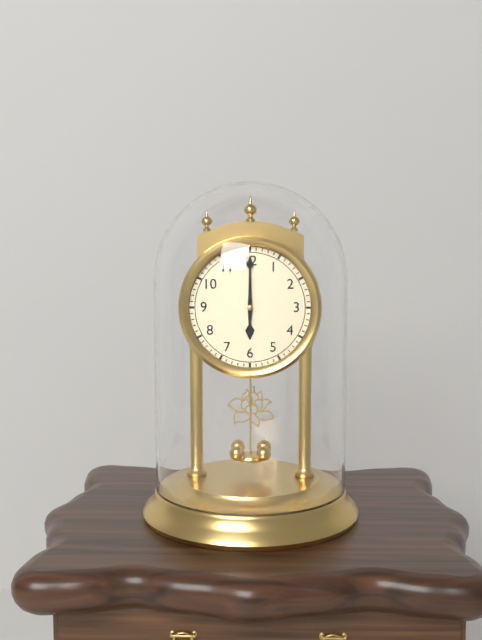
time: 6:00
